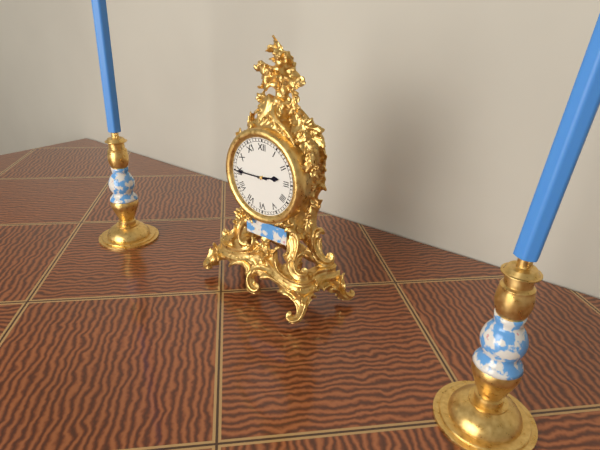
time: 2:45
